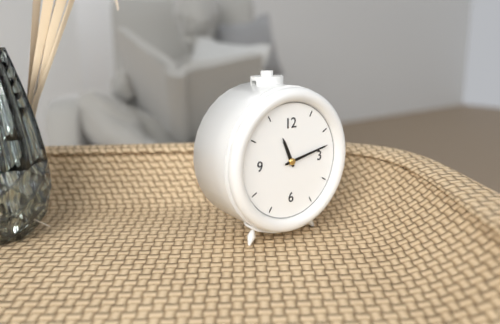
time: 11:13
